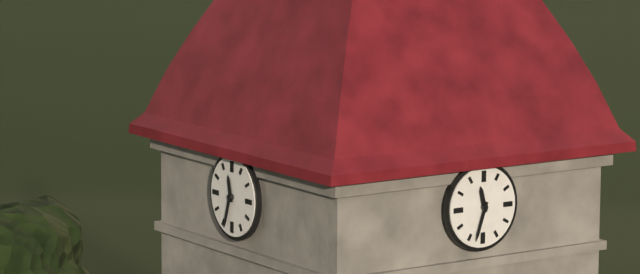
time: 11:33
